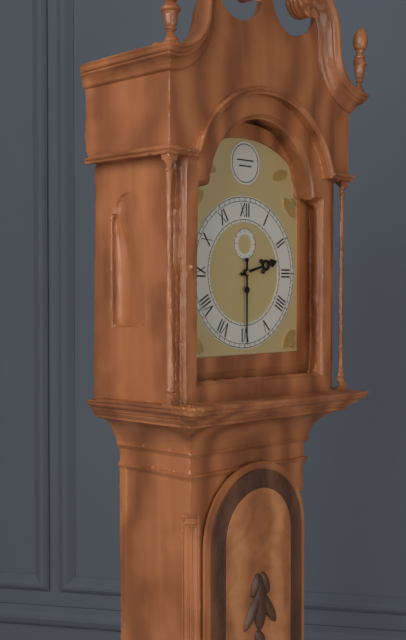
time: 2:30
